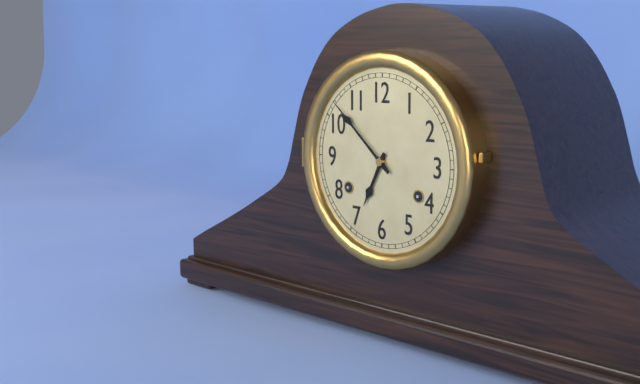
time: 6:52
